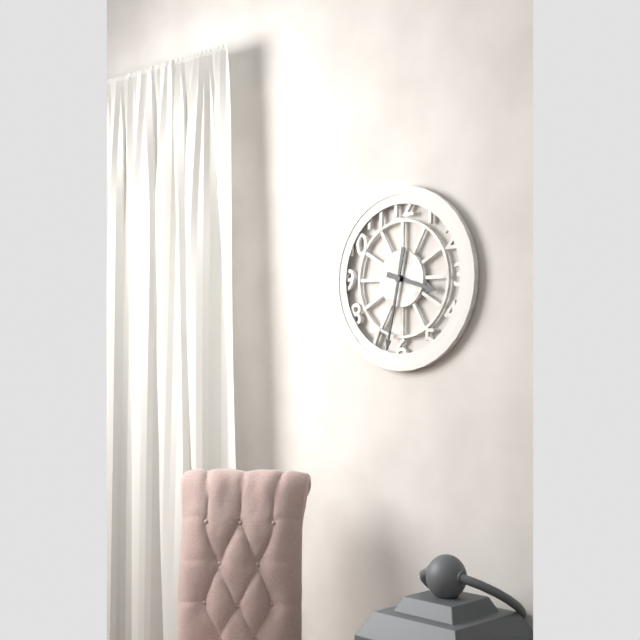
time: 3:32
